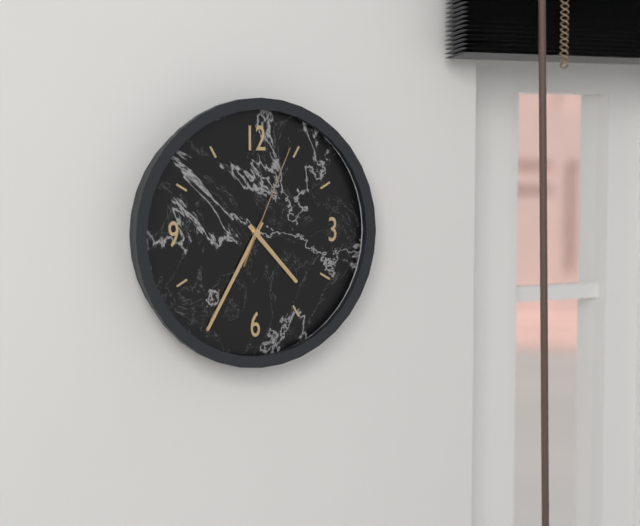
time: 4:35:04
